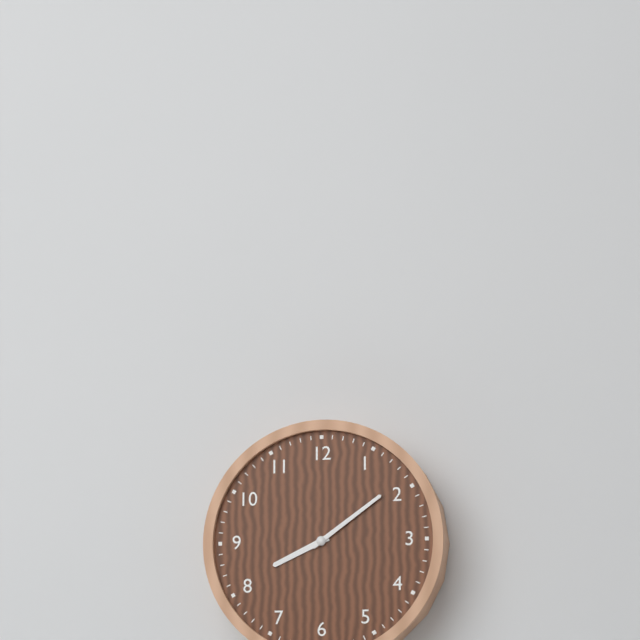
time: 8:09
